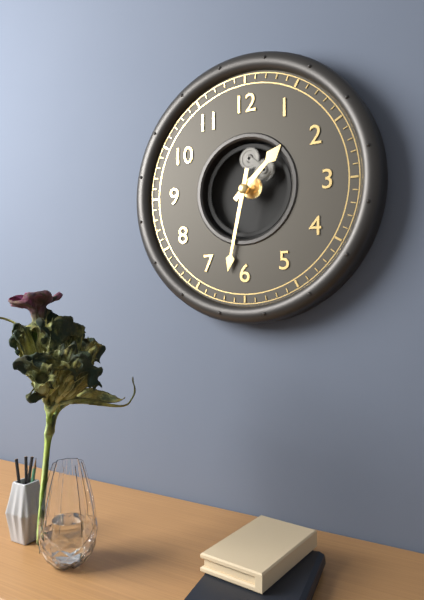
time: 1:32
